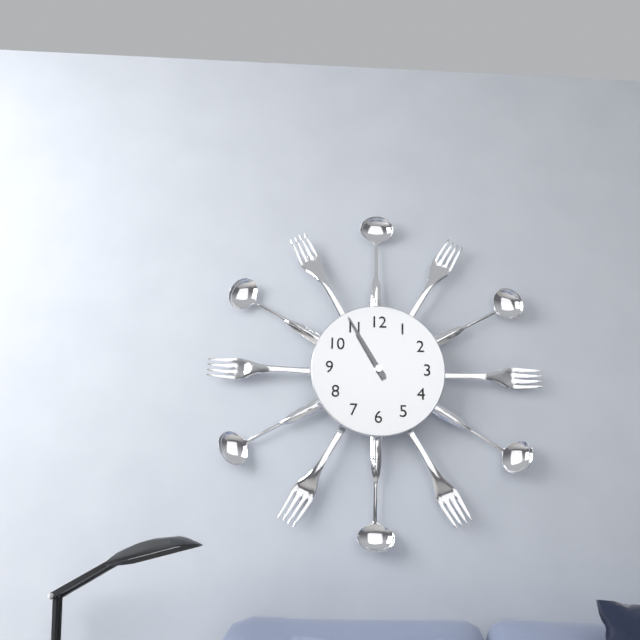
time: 10:55
